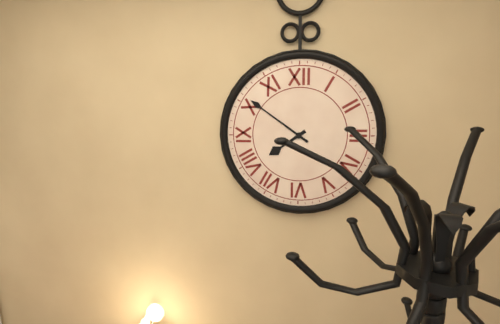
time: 7:51
